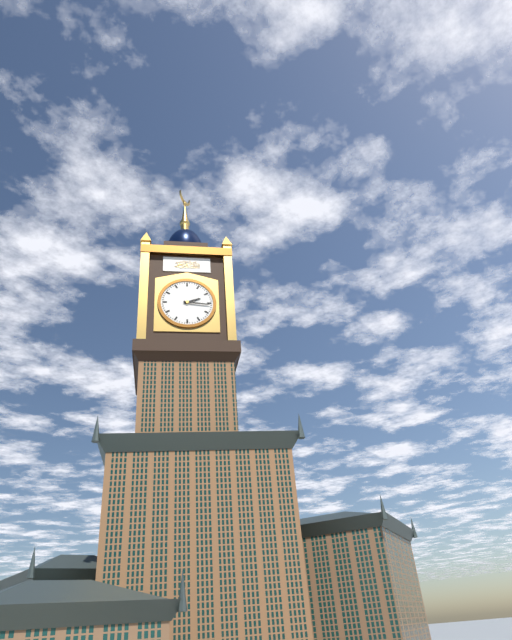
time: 2:16
